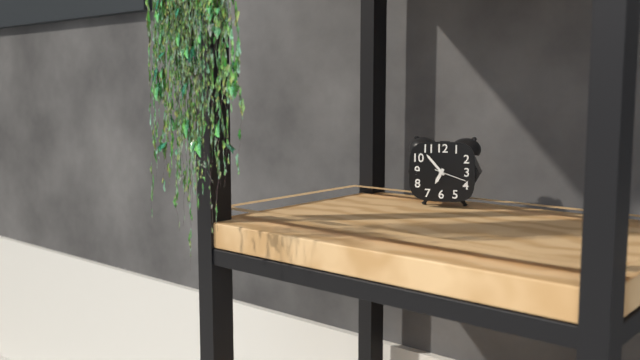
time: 6:53
